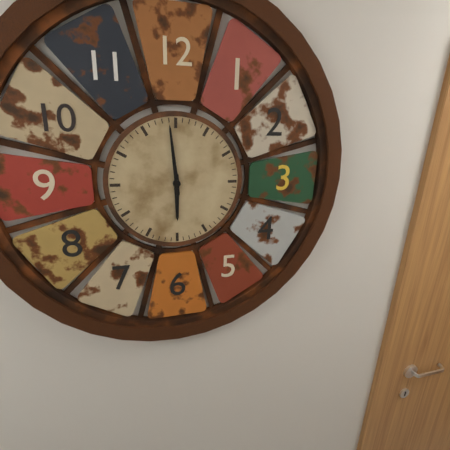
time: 5:59
